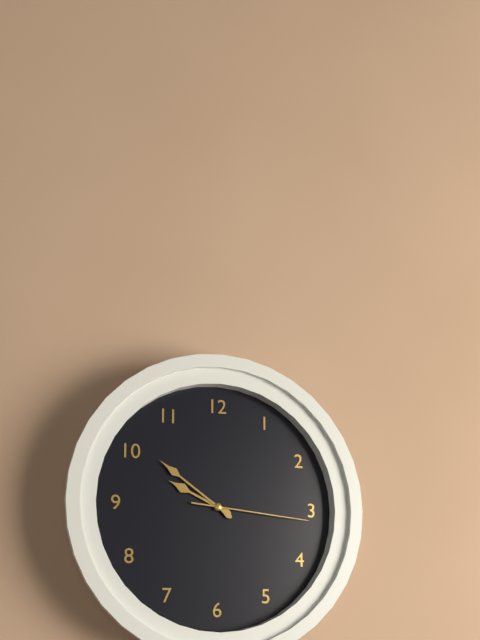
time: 9:51:16
